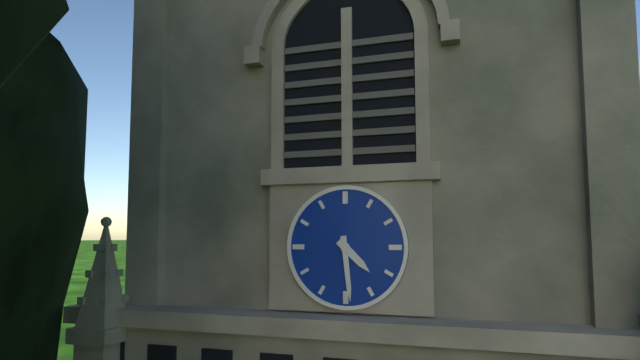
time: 4:29
